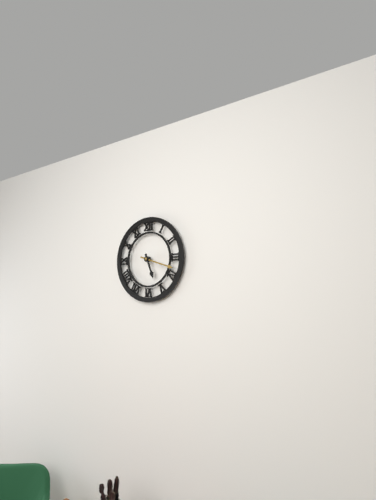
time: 5:18
